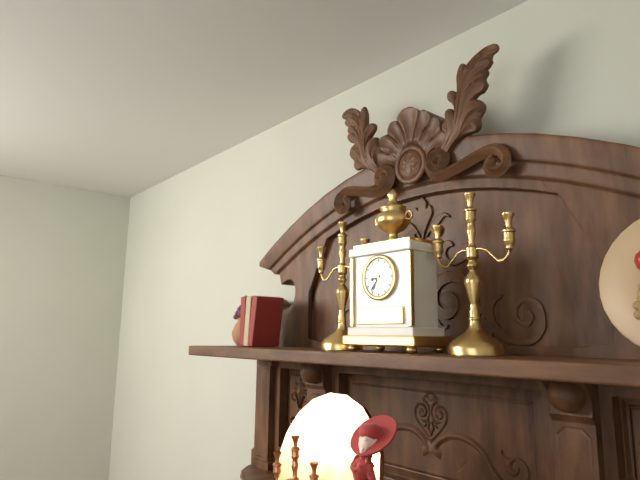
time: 8:36
